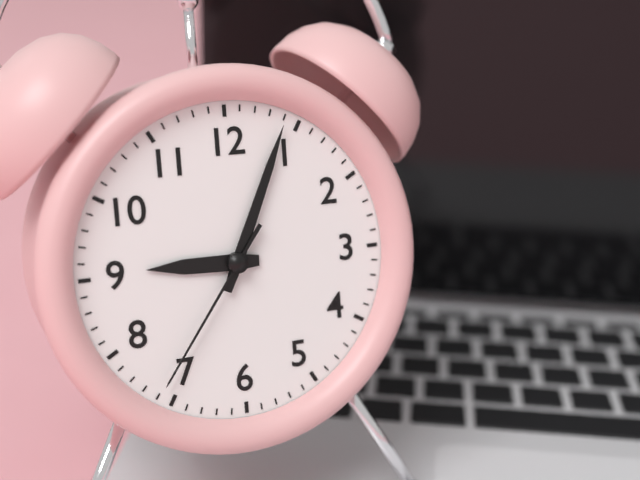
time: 9:04:36
